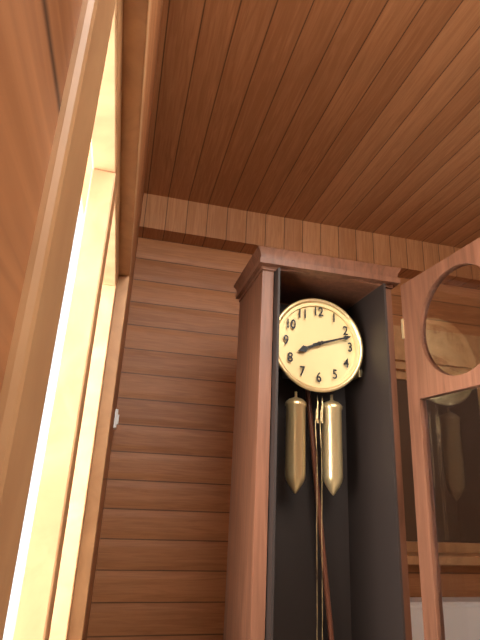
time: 8:12
